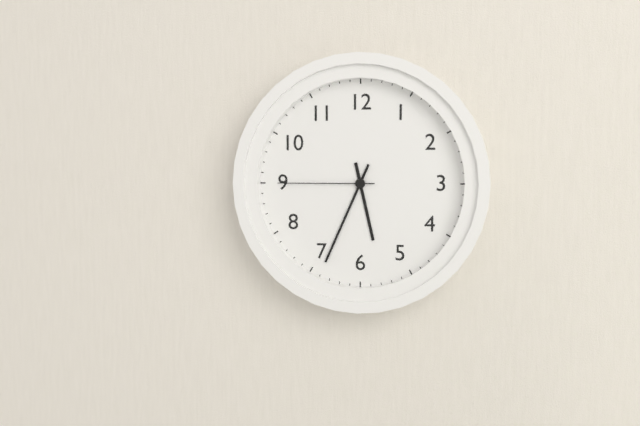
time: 5:34:45
